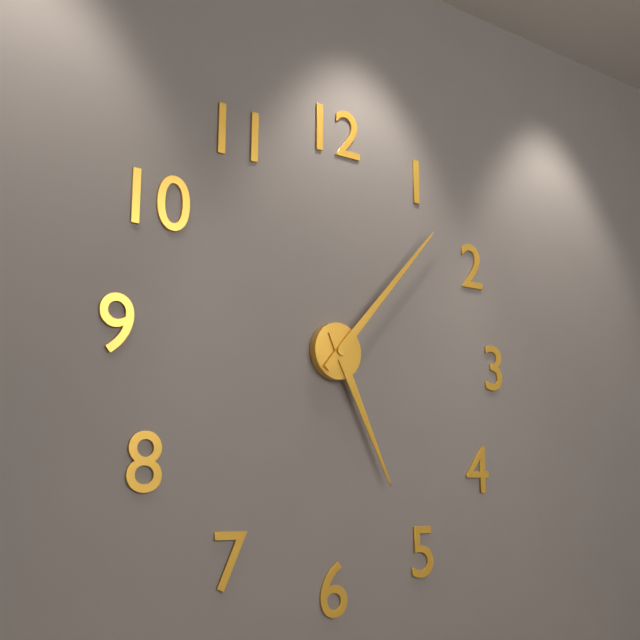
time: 5:07
